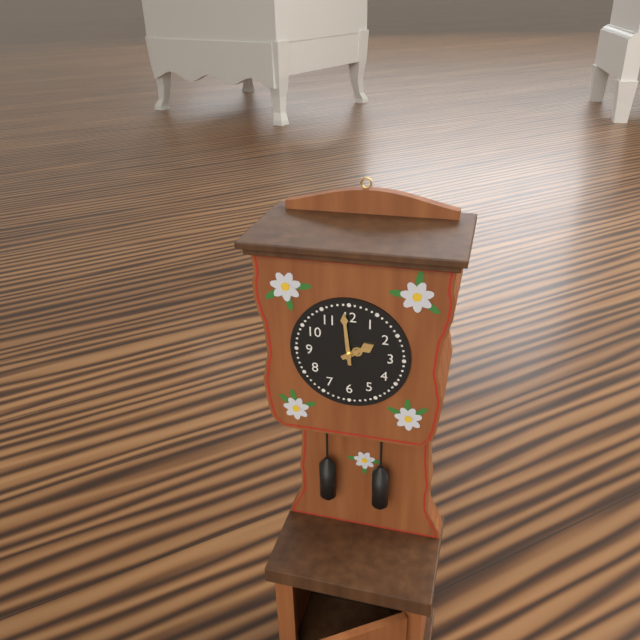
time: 1:59
